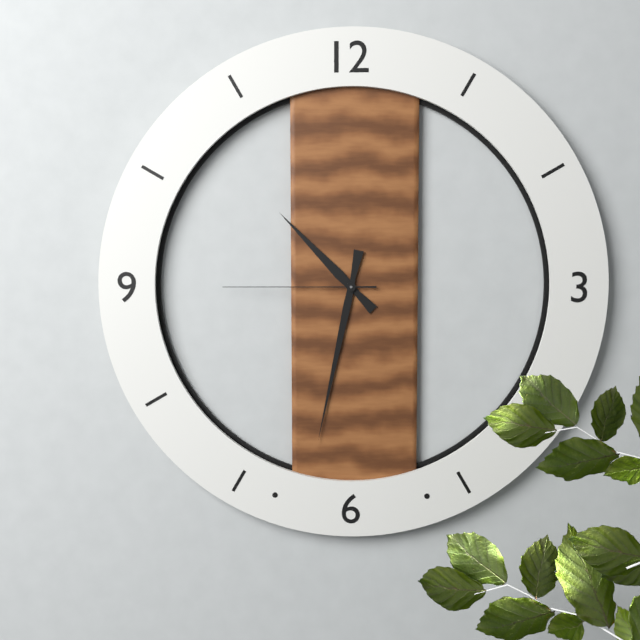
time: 10:32:45
